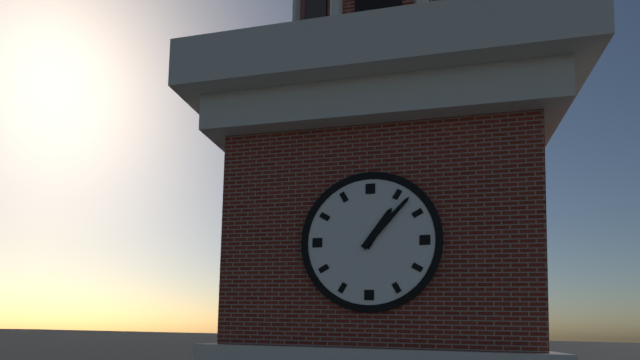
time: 1:07
